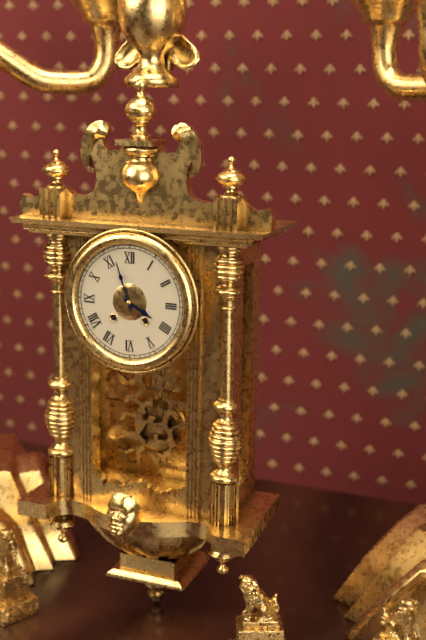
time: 3:57
